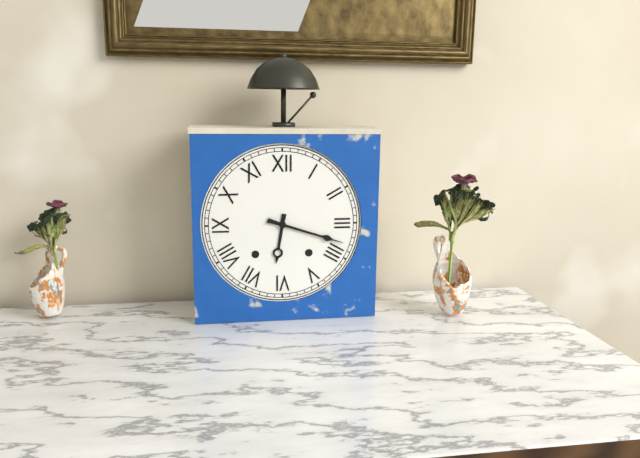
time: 6:18
